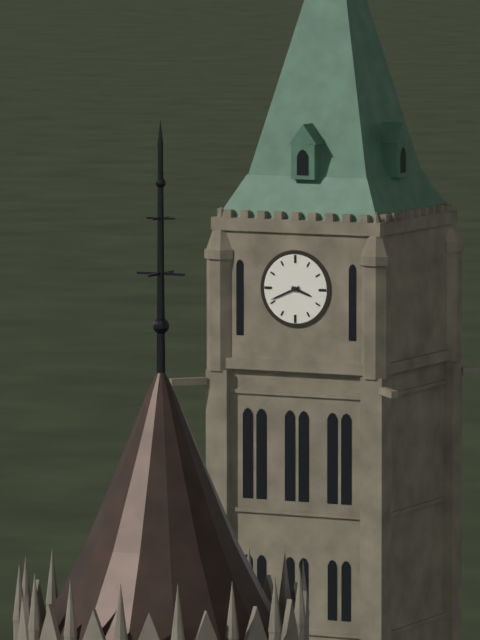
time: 3:41
